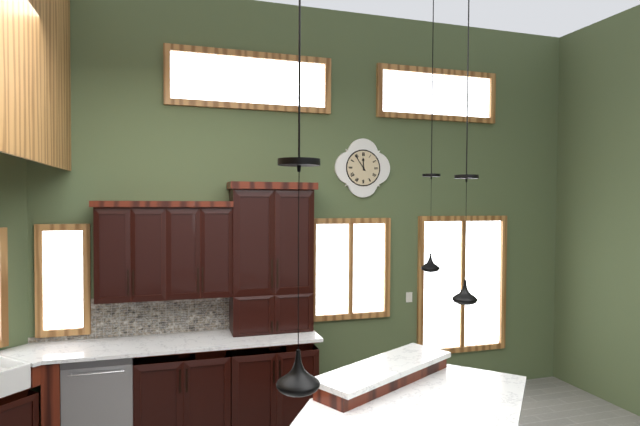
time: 11:54
